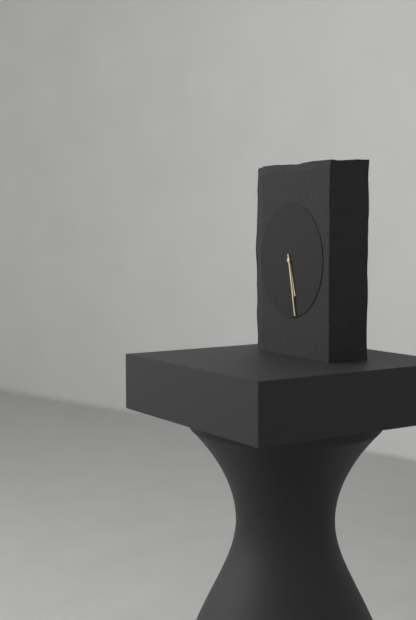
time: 5:28
